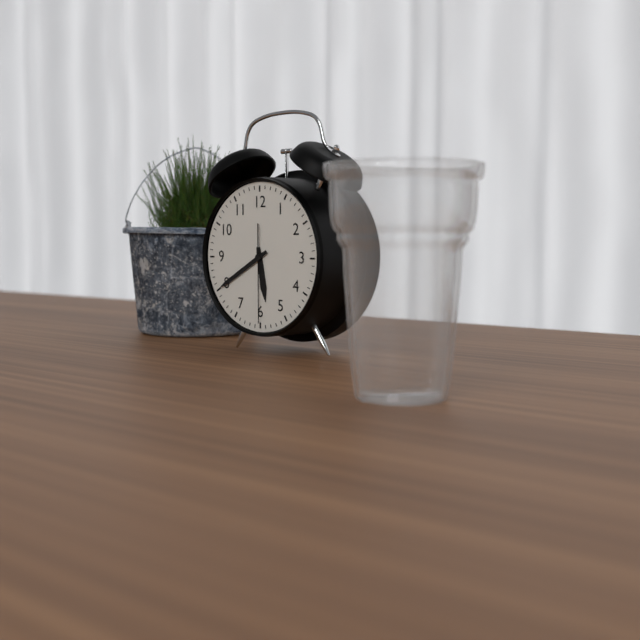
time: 5:40:30
